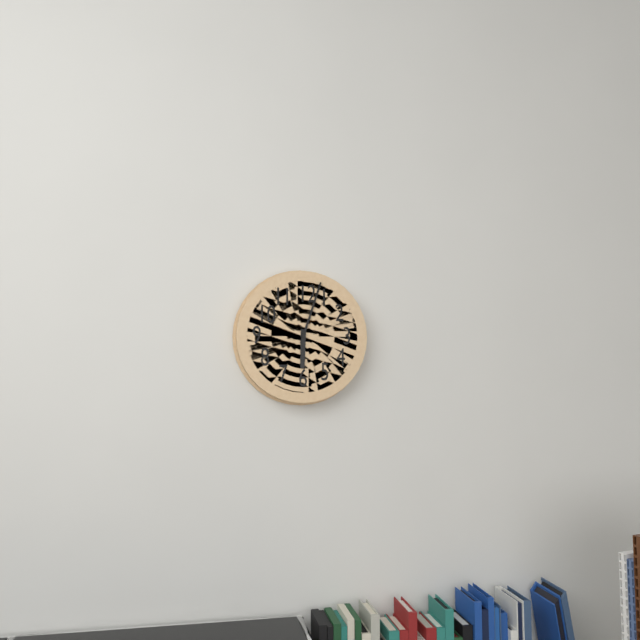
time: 6:03
